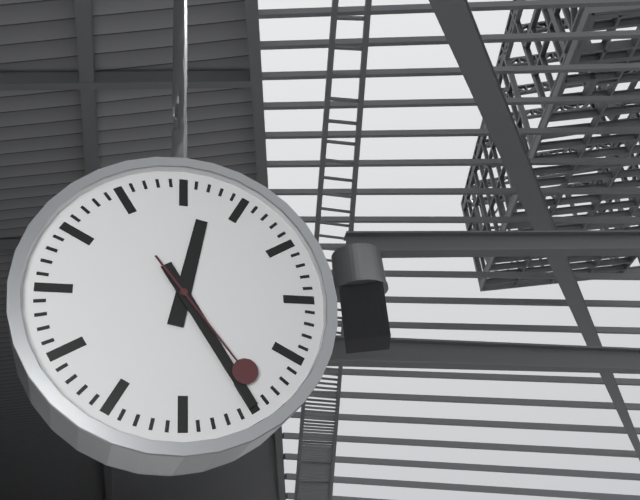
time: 12:25:24
